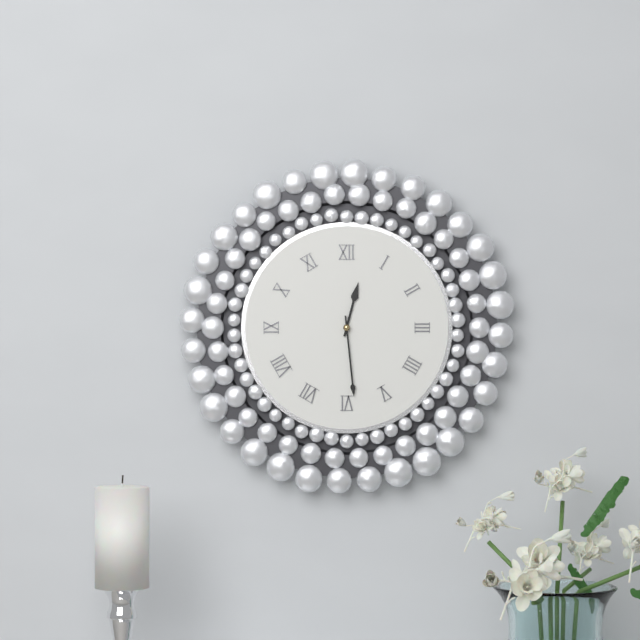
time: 12:29
